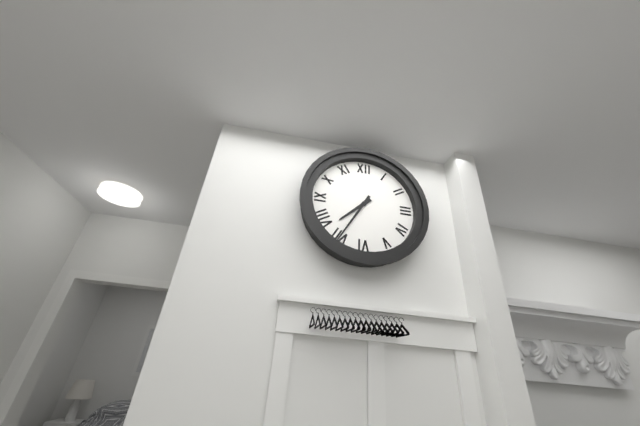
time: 7:35
